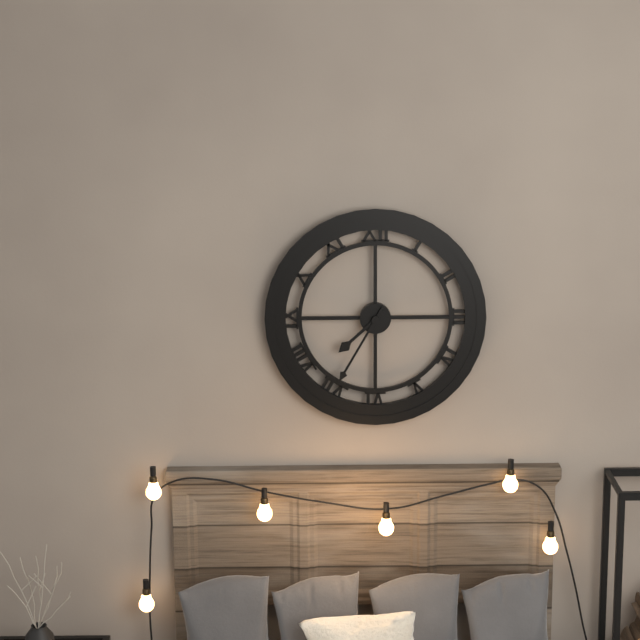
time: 7:35
